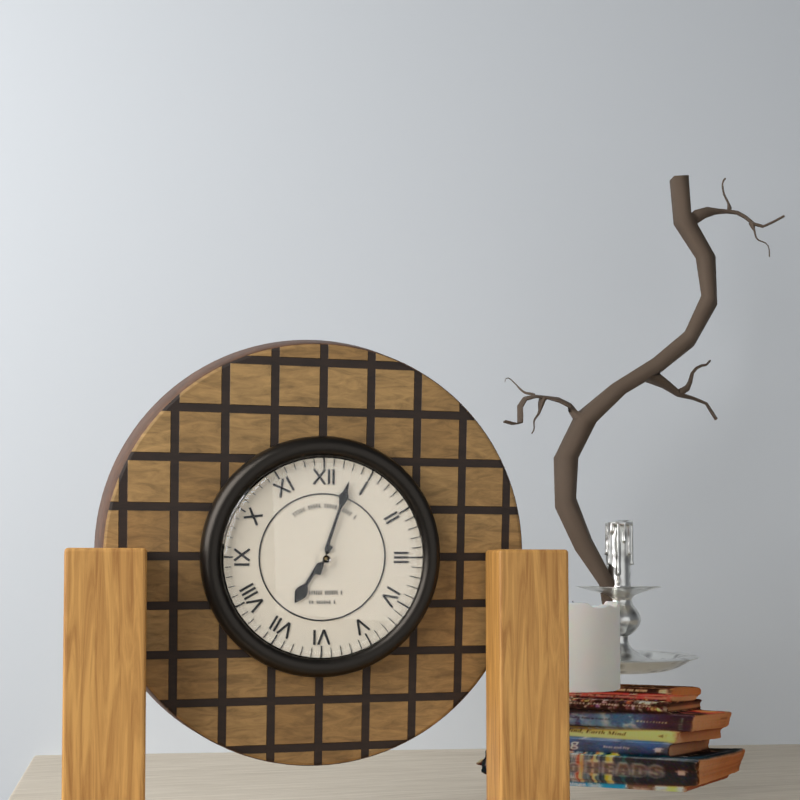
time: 7:03
